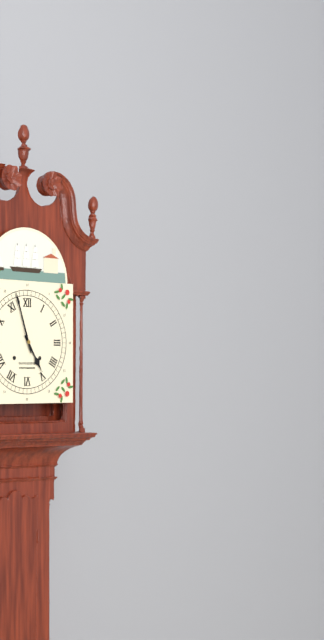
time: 4:57
